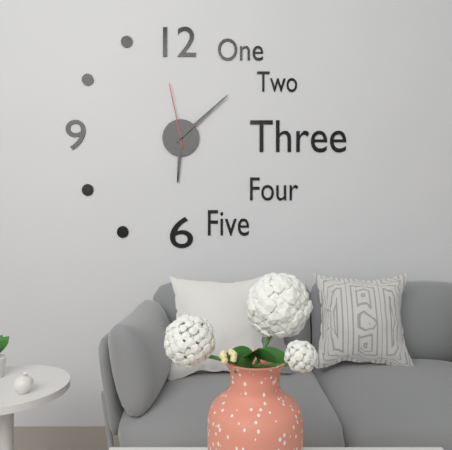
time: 6:08:58
